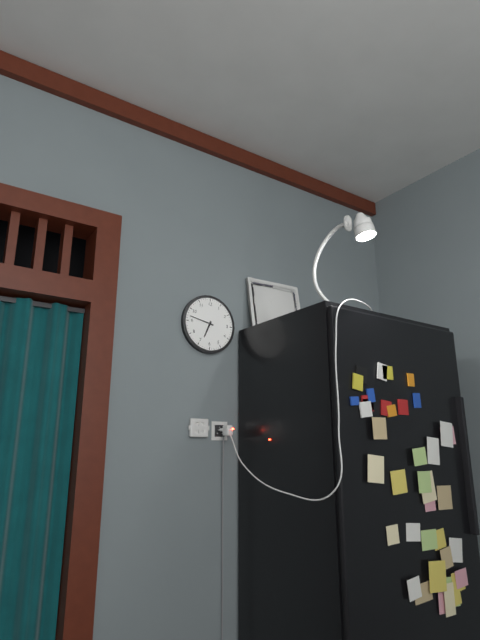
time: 6:47
